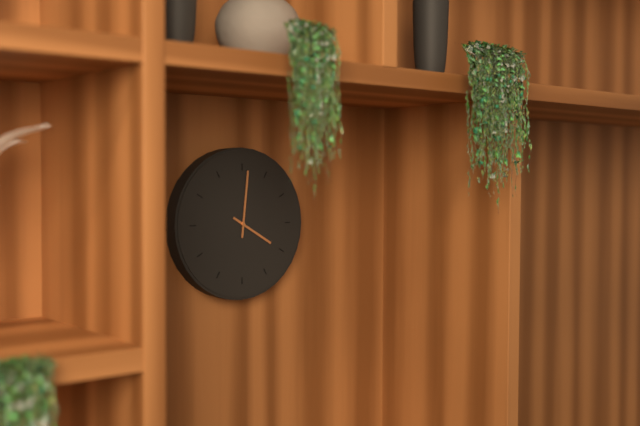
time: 4:01
